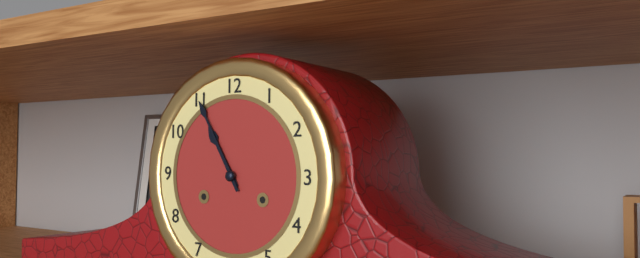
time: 10:55
